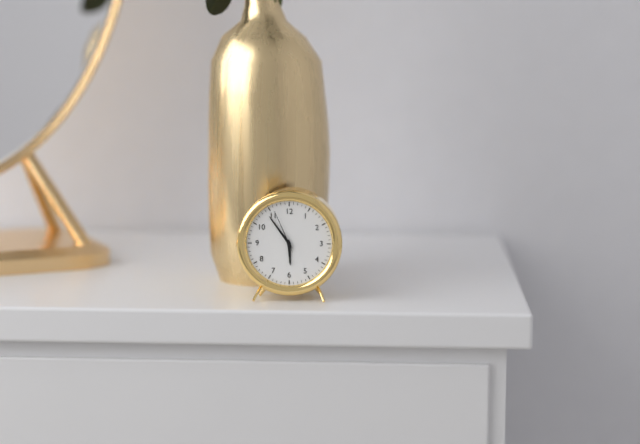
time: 5:54
